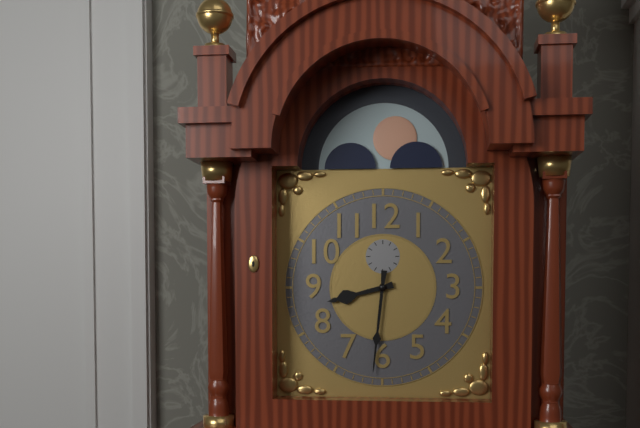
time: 8:31
